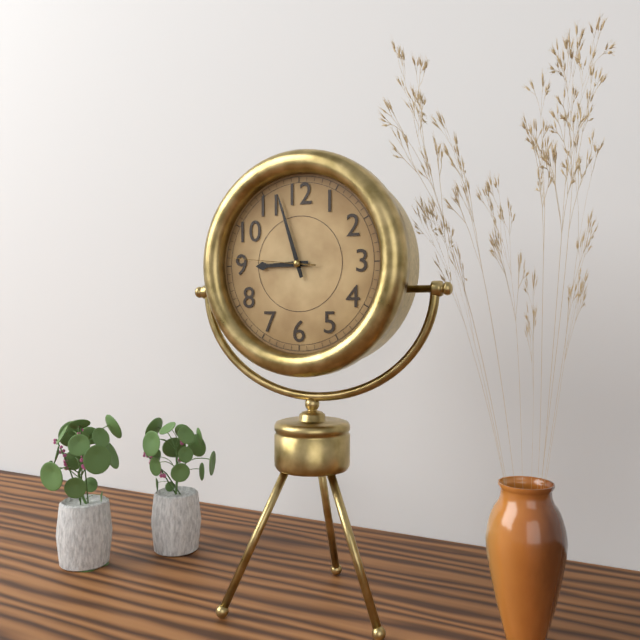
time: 8:57:46
